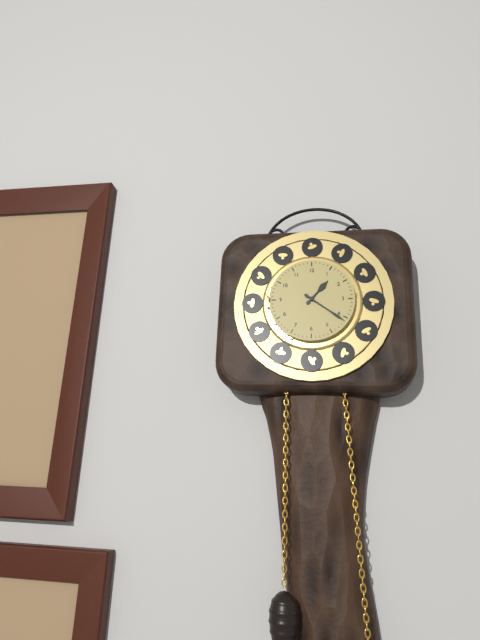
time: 1:21
